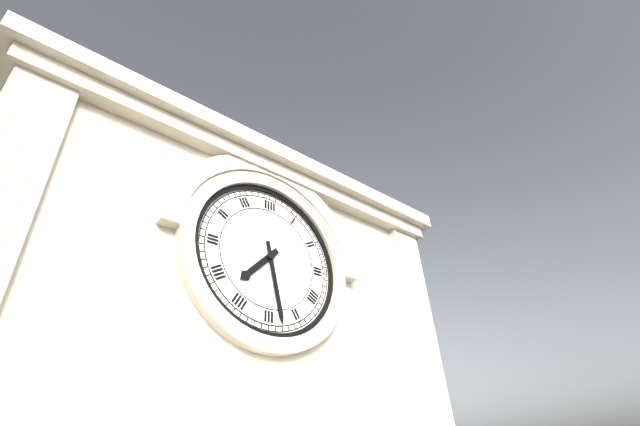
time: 7:28
